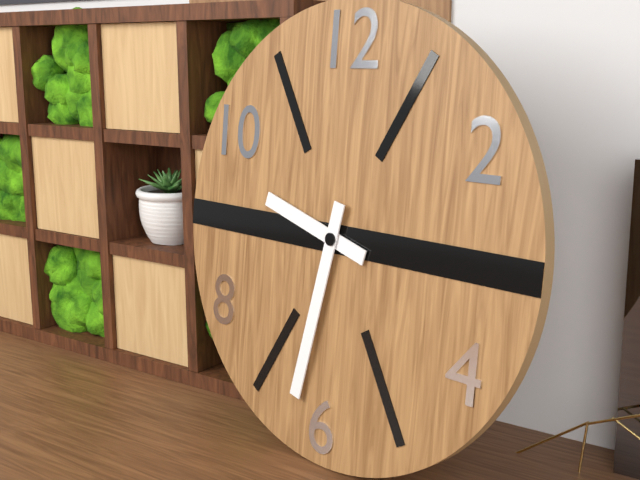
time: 9:32
